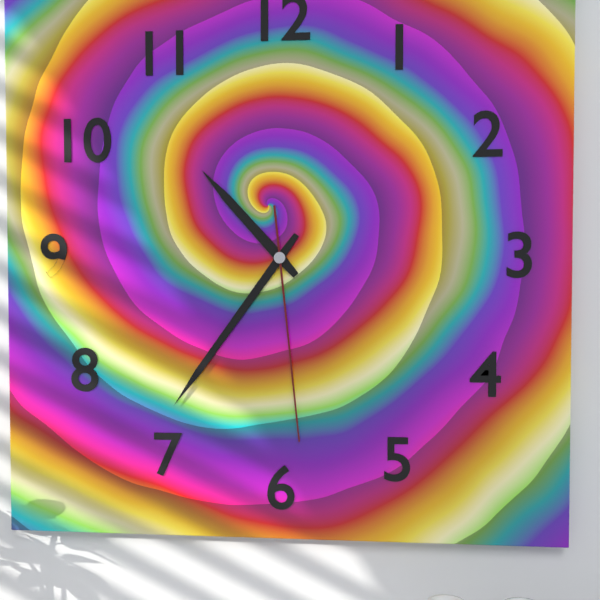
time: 10:36:29
